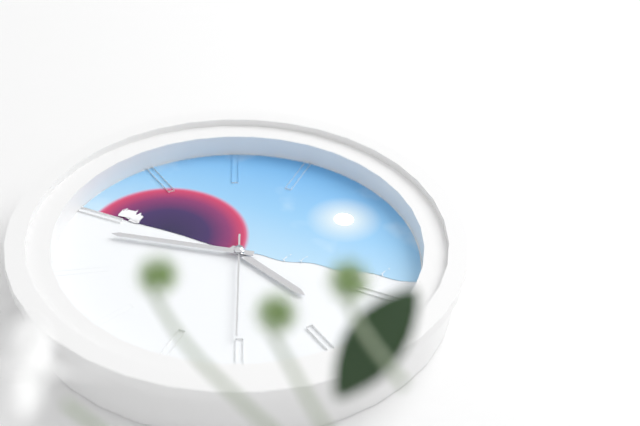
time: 3:43:26
